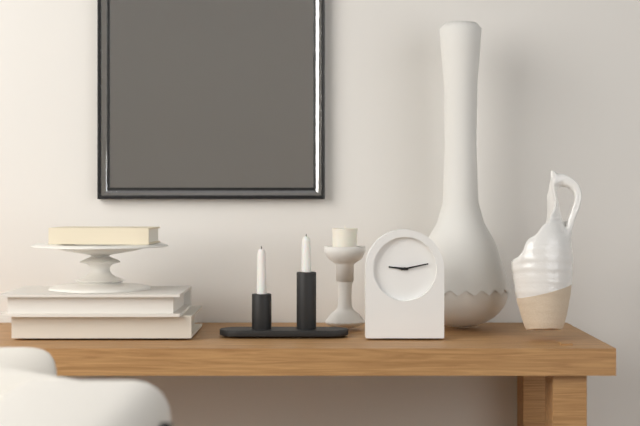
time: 9:13
